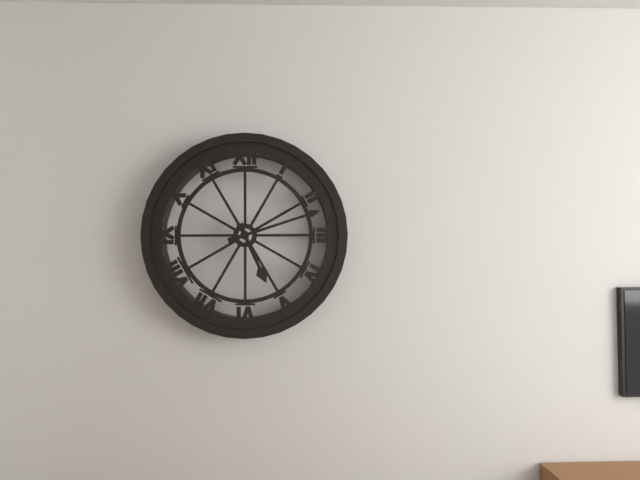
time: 5:12
